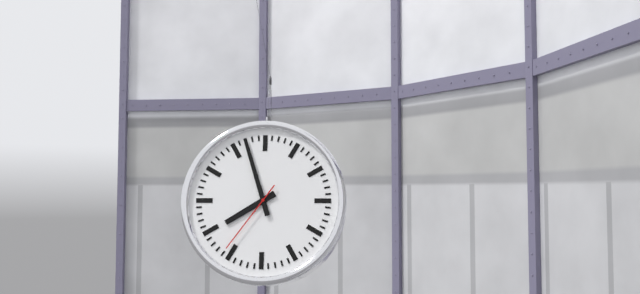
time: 7:57:36
